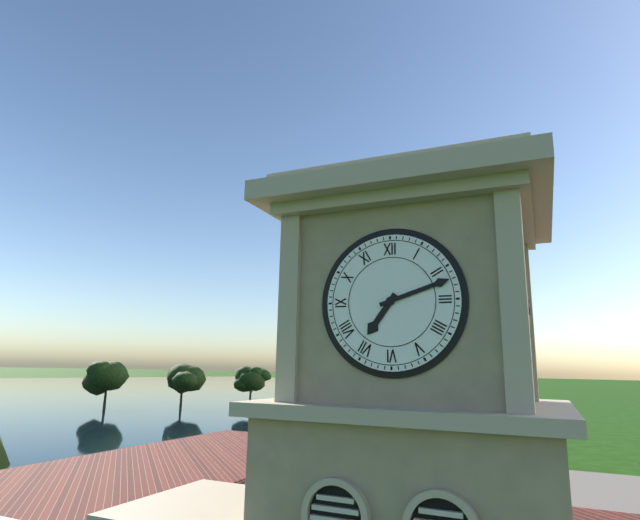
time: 7:12
